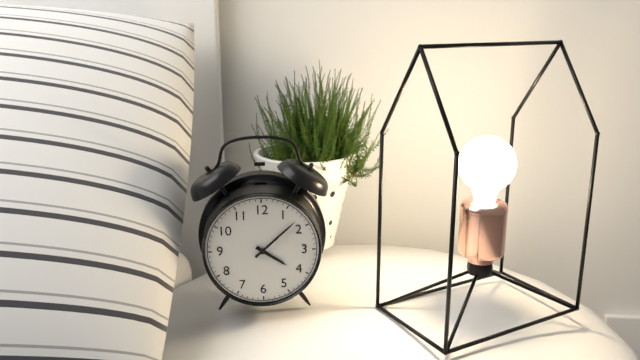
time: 4:08
